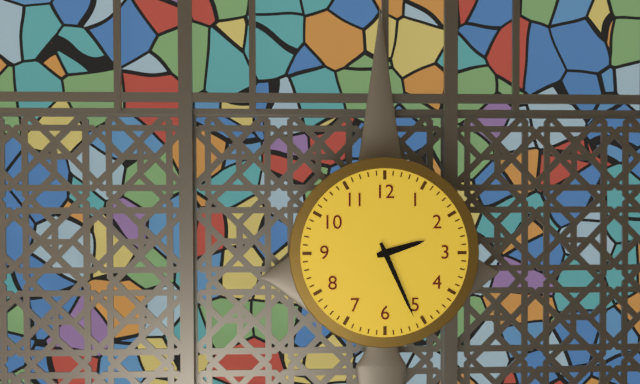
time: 2:26
